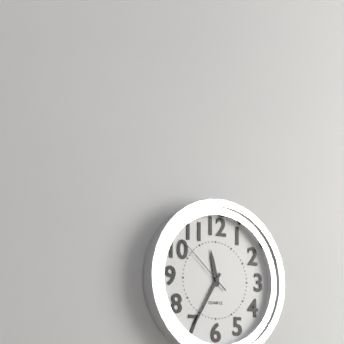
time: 11:35:52
